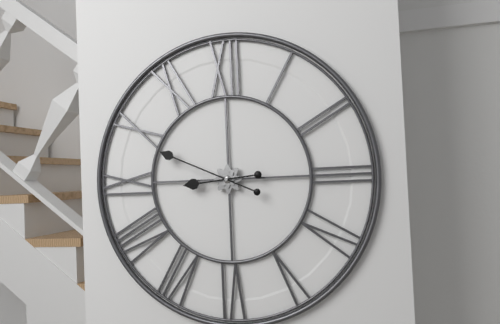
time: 8:49
